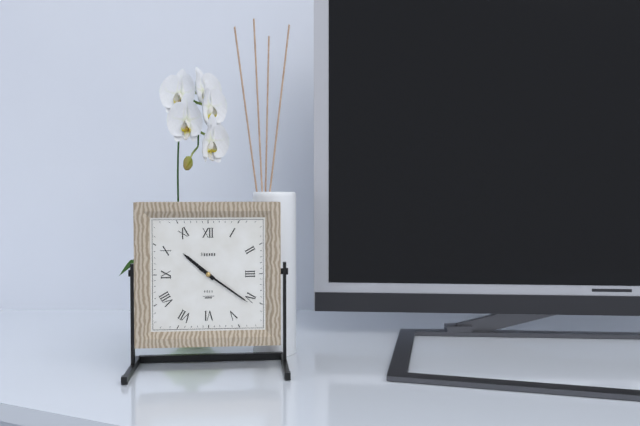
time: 10:21
